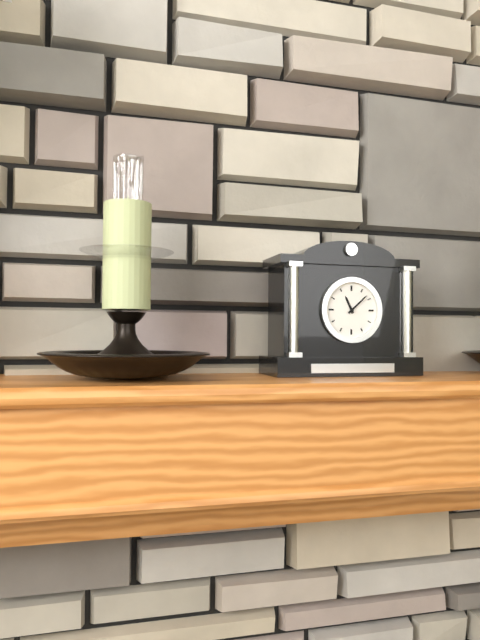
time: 11:08
